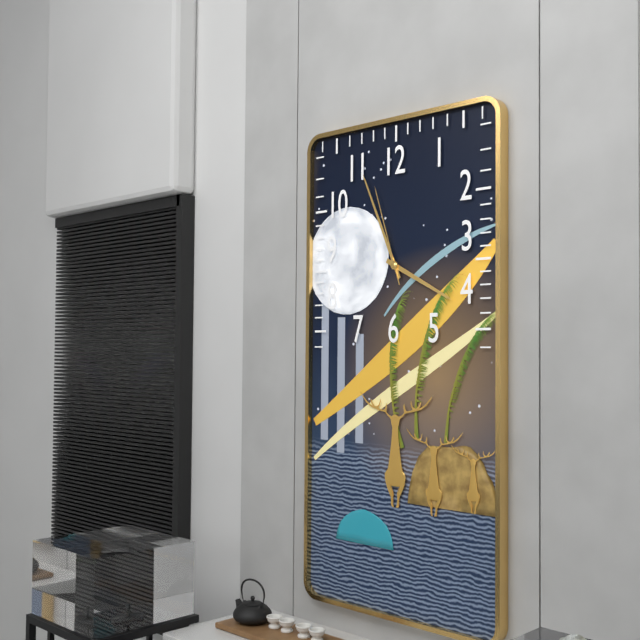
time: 3:56:57
